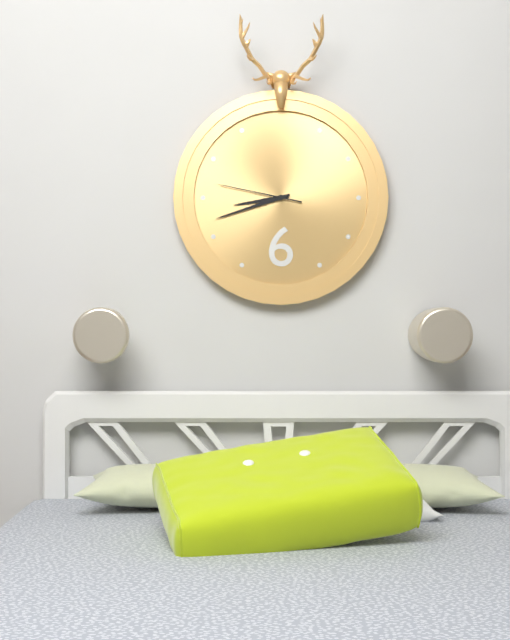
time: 8:42:47
